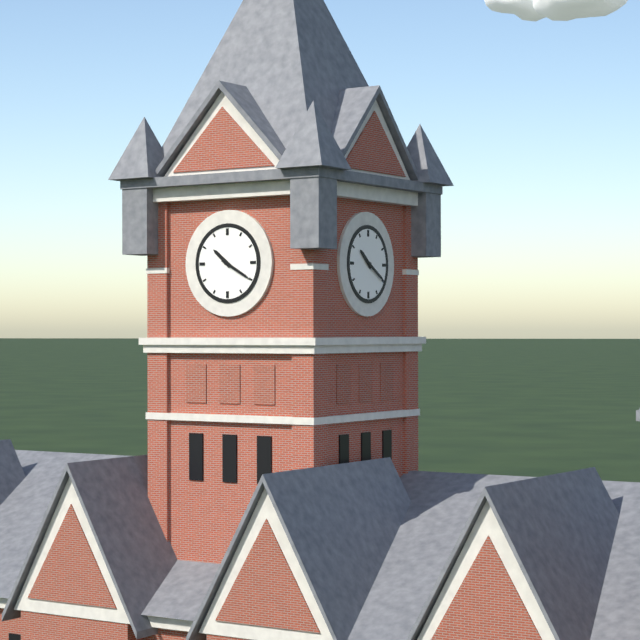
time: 10:20
